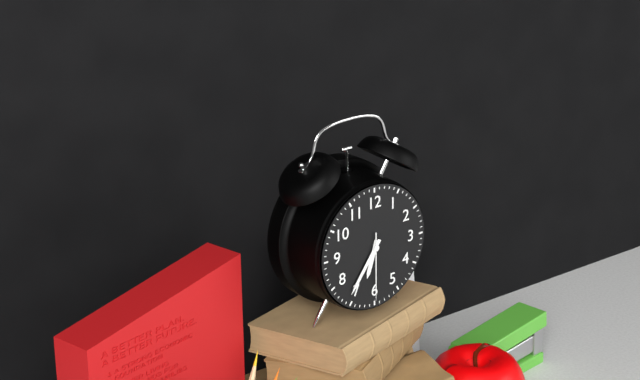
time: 6:36:30
